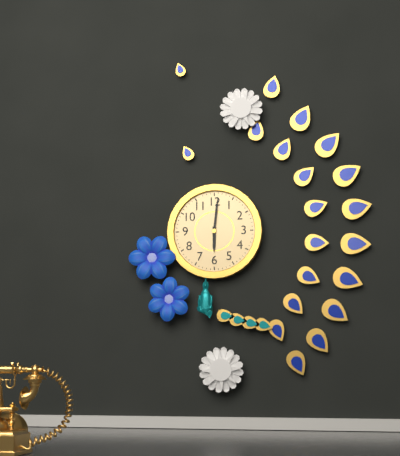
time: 6:01
